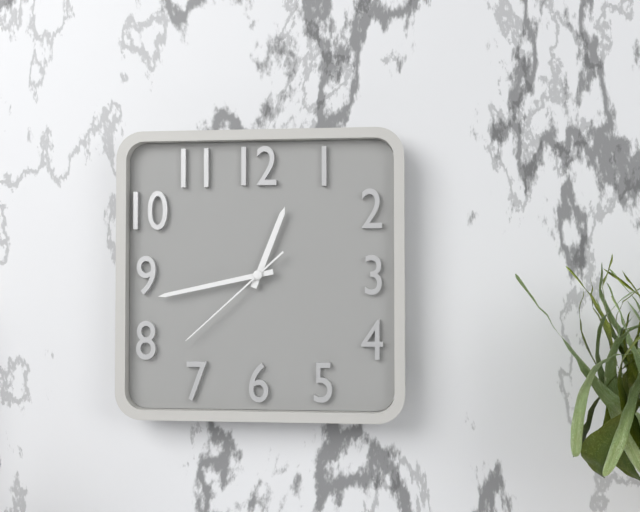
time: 12:43:38
